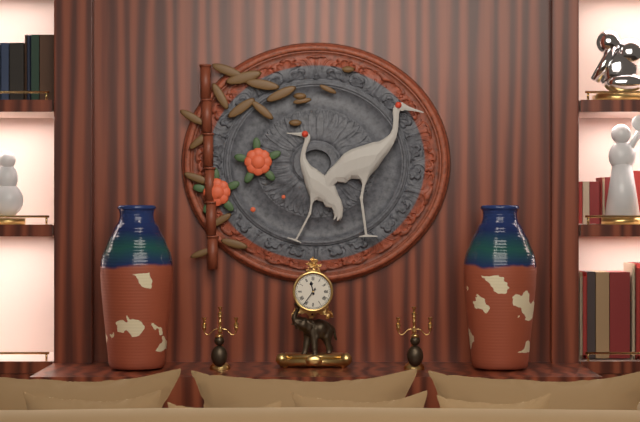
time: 11:36
